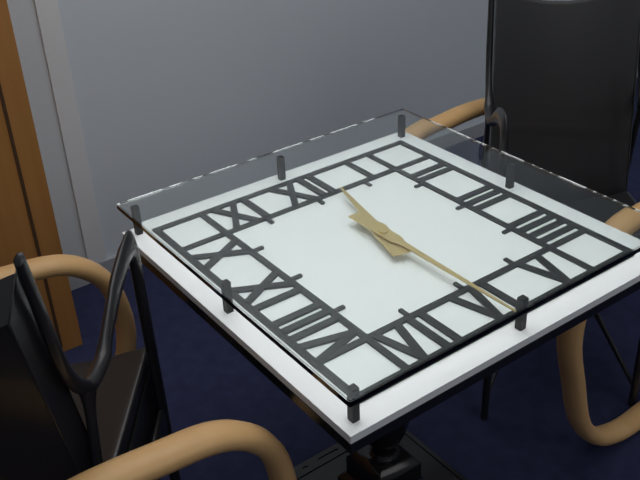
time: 12:30
